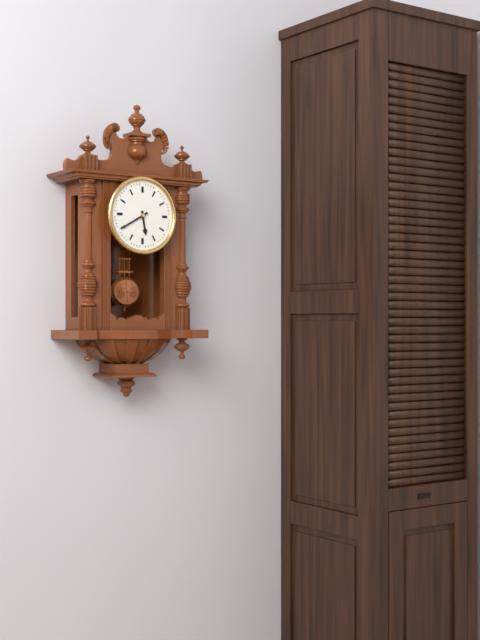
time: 5:40
